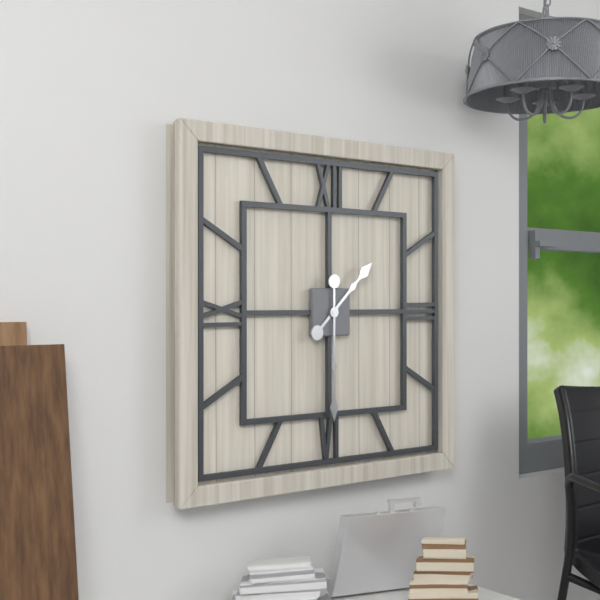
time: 1:30
